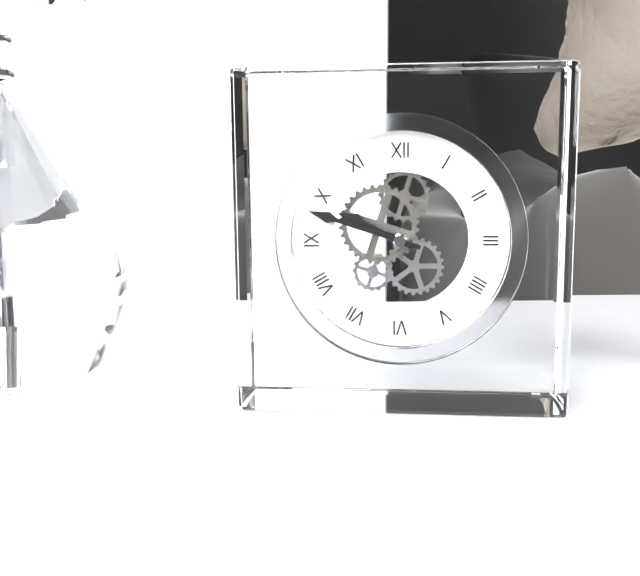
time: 9:48
